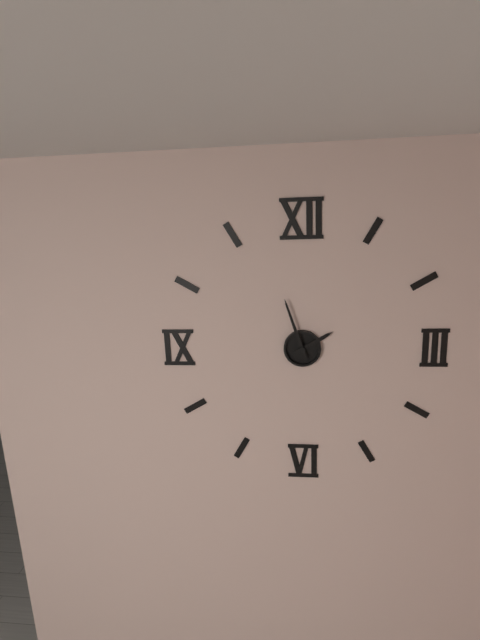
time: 1:57
